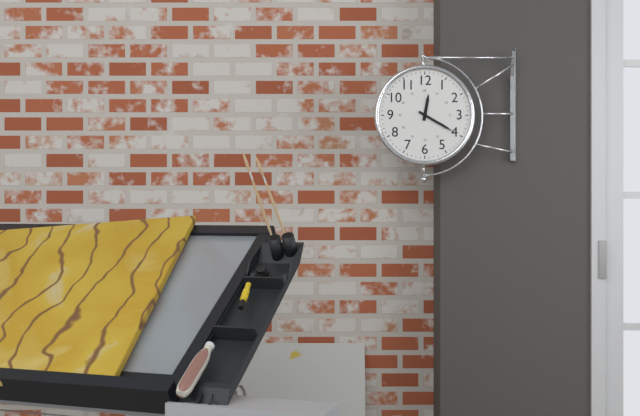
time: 12:20
